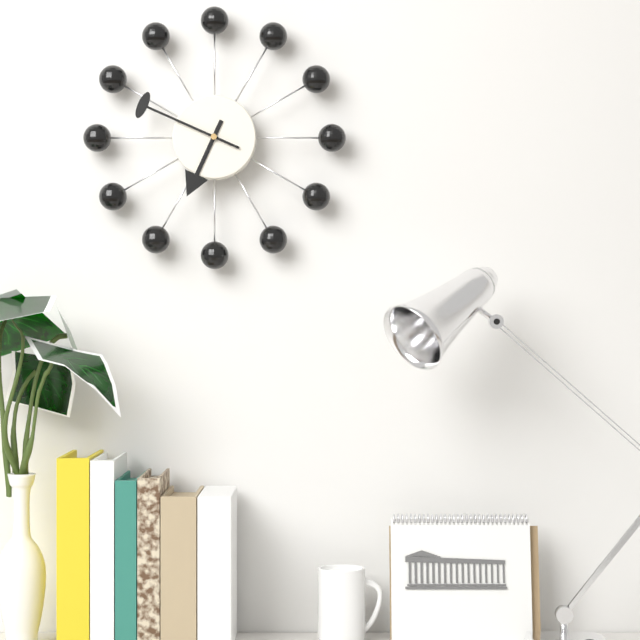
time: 6:49
